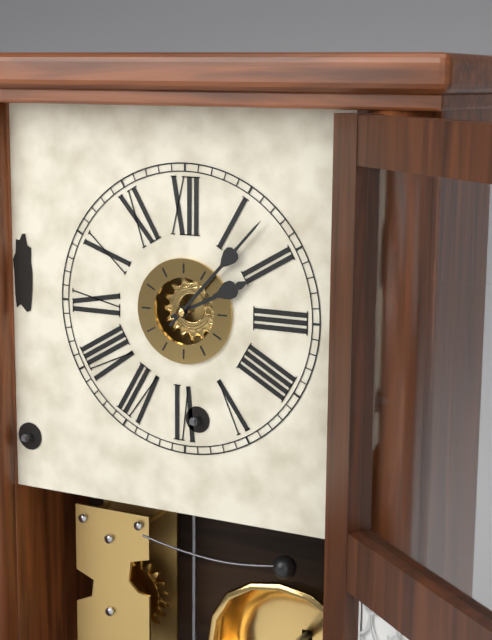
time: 2:07
